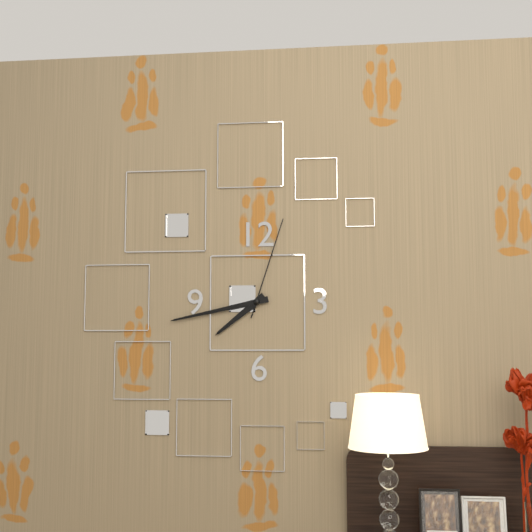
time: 7:43:03
